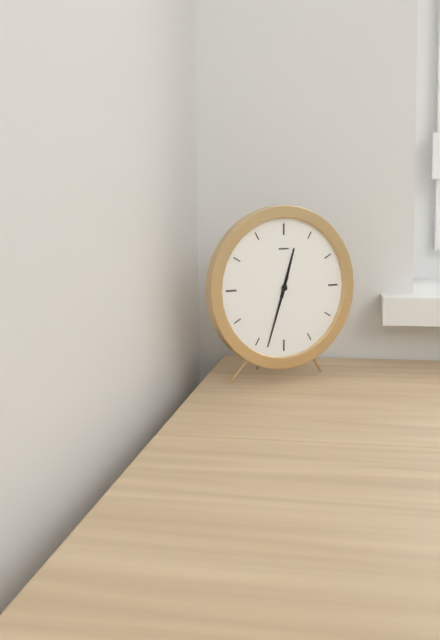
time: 12:33
